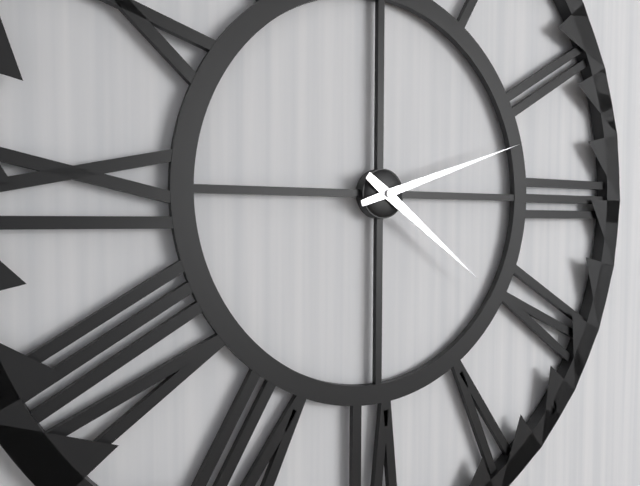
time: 4:12
